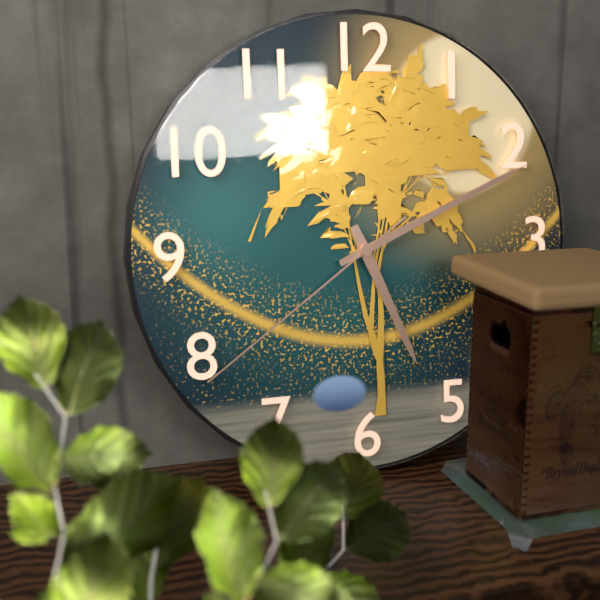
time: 5:11:39
